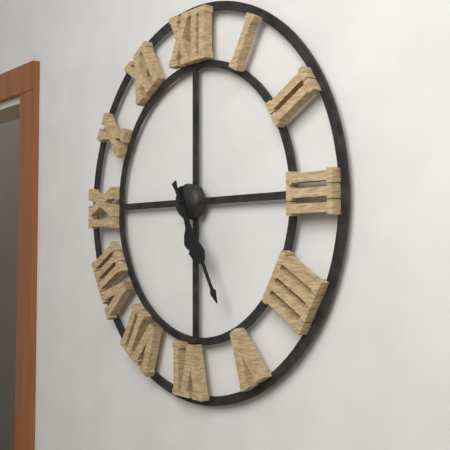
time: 5:25
